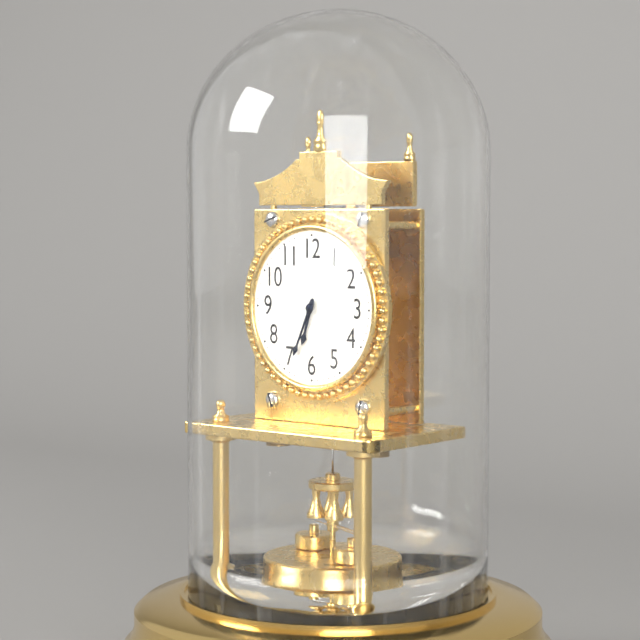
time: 6:34
